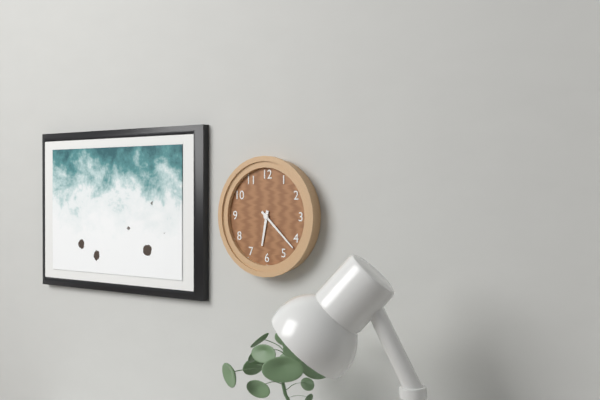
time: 6:22
